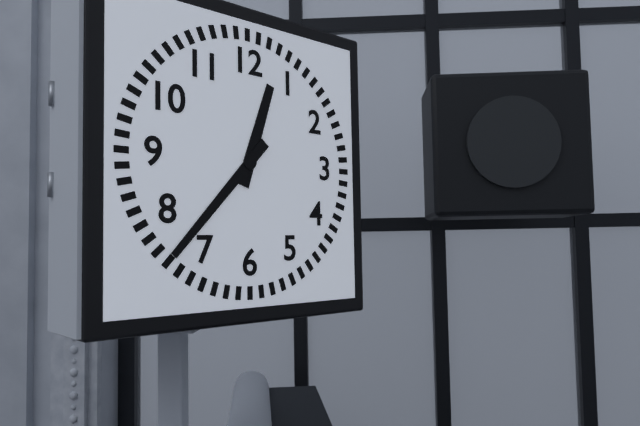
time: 12:37
